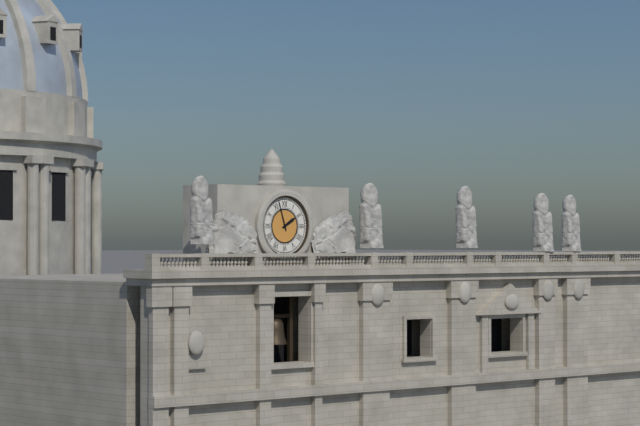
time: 1:57
